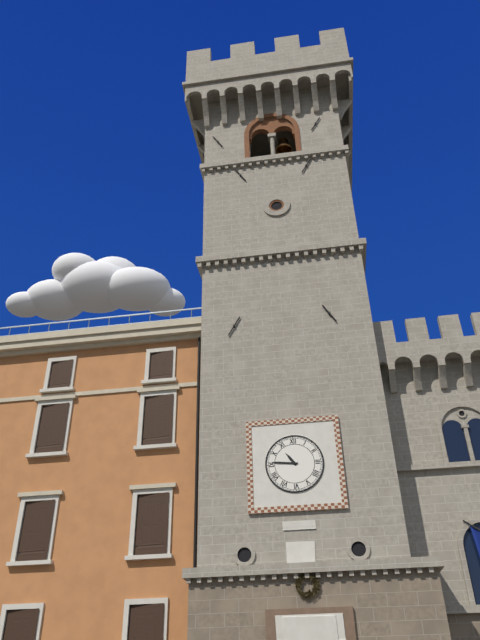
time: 10:46
